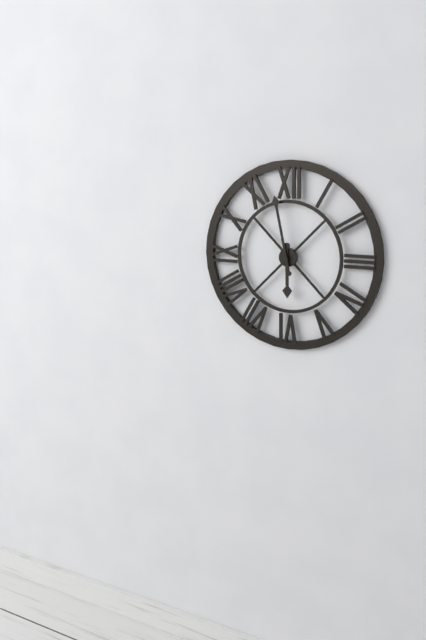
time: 5:58
